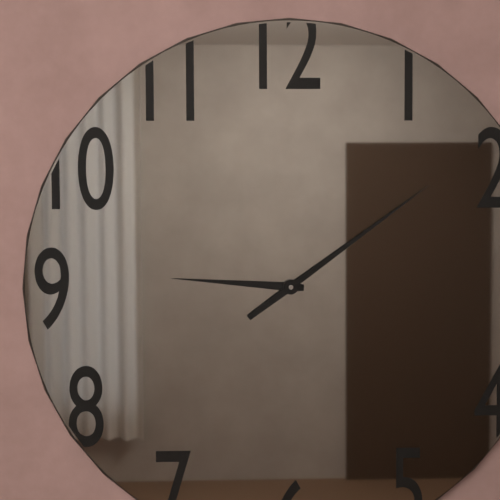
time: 9:09
